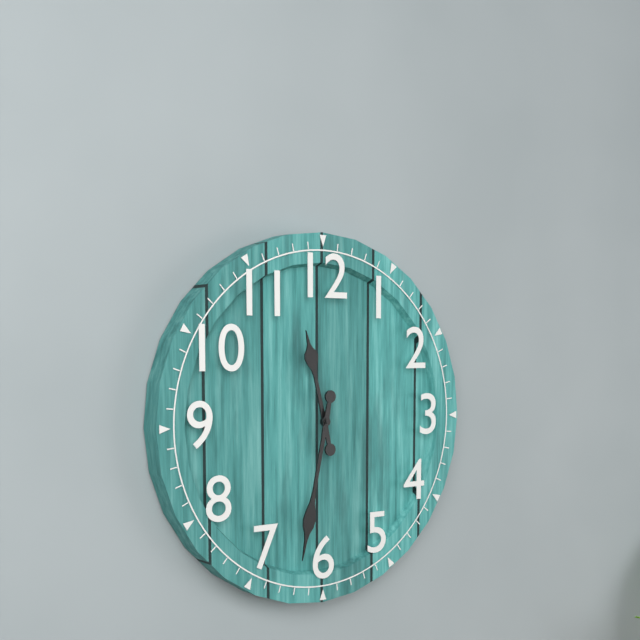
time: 11:32
